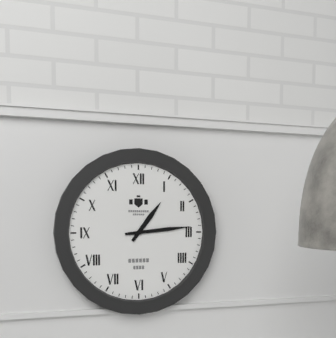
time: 1:14
